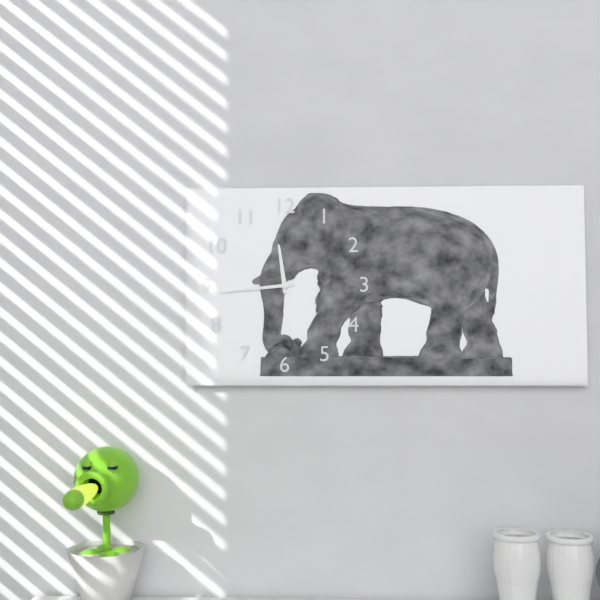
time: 11:44
